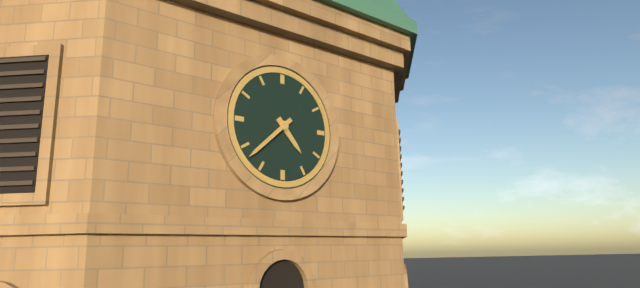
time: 4:38
